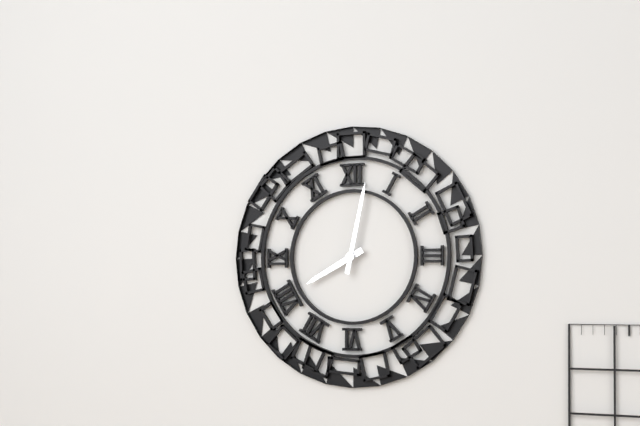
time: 8:02
